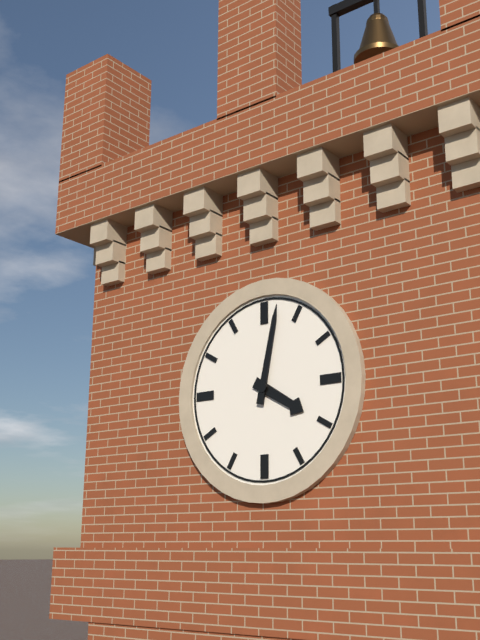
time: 4:02
